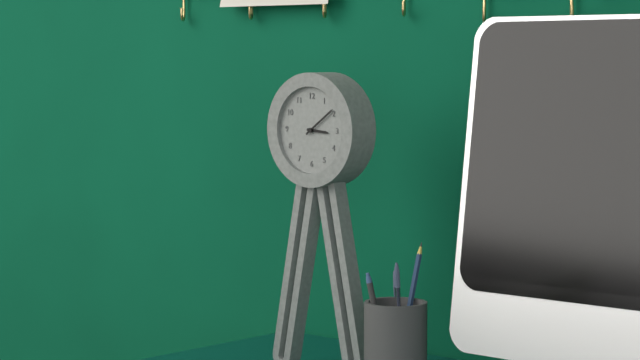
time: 3:09
